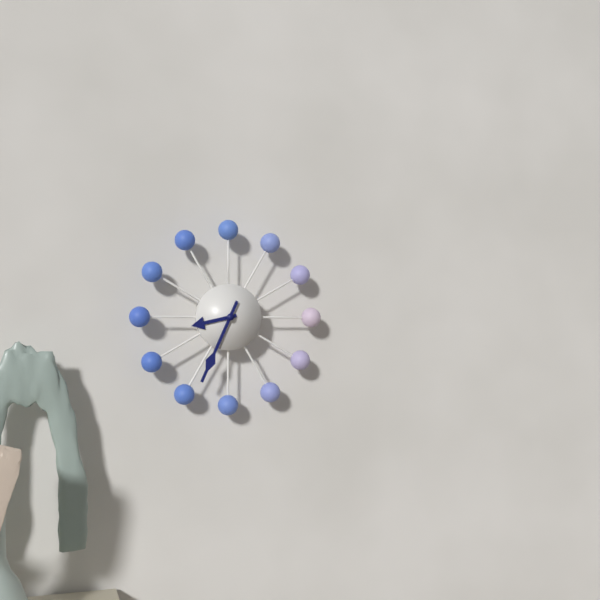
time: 8:34
